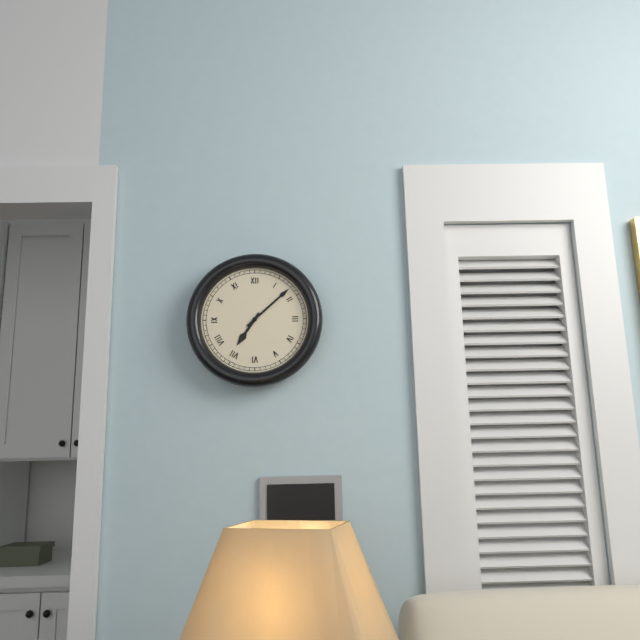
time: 7:08
